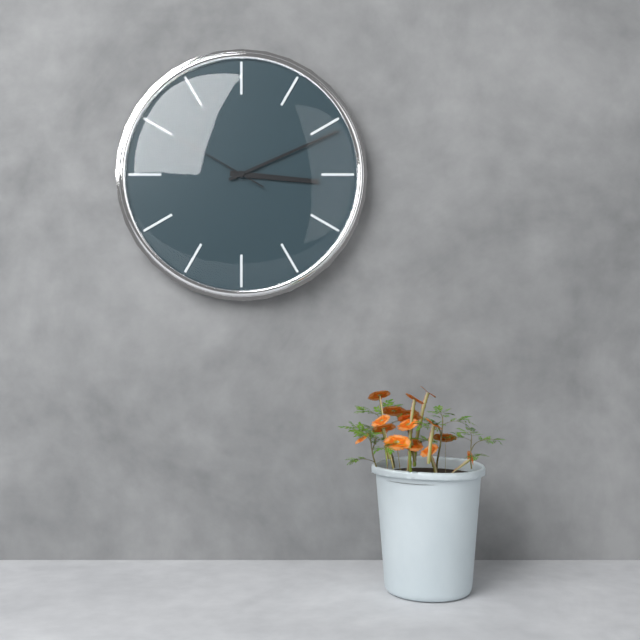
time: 3:11:50
